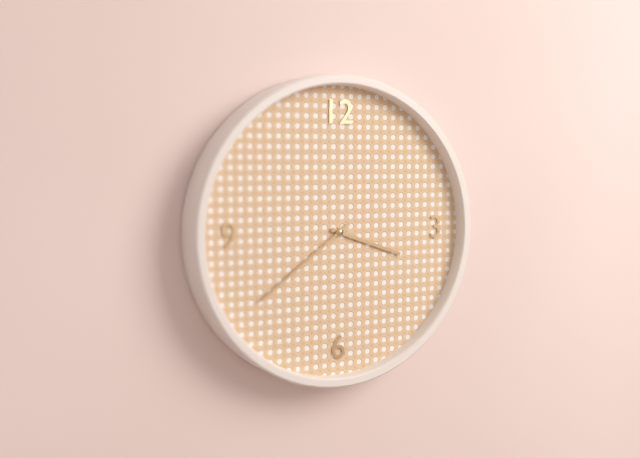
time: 3:39
